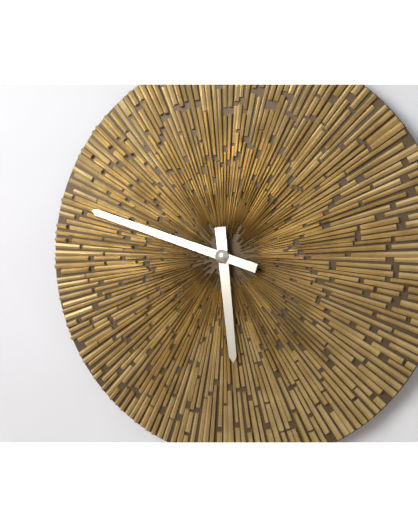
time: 5:48
